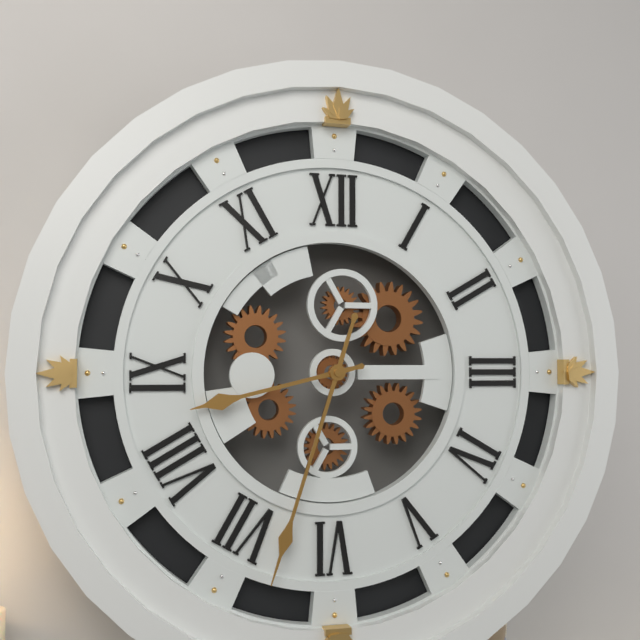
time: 8:33
